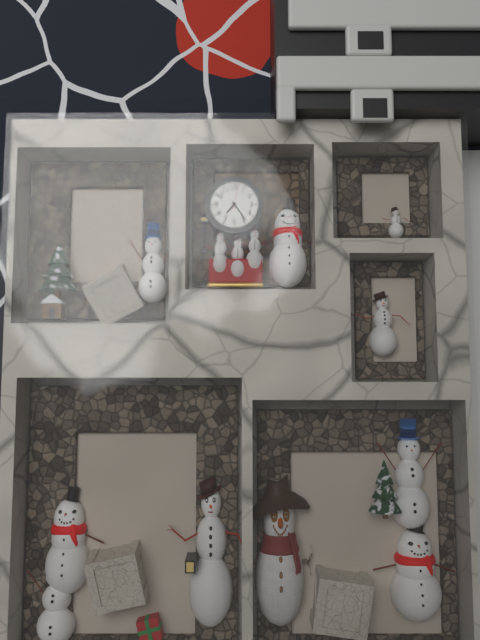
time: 7:24
